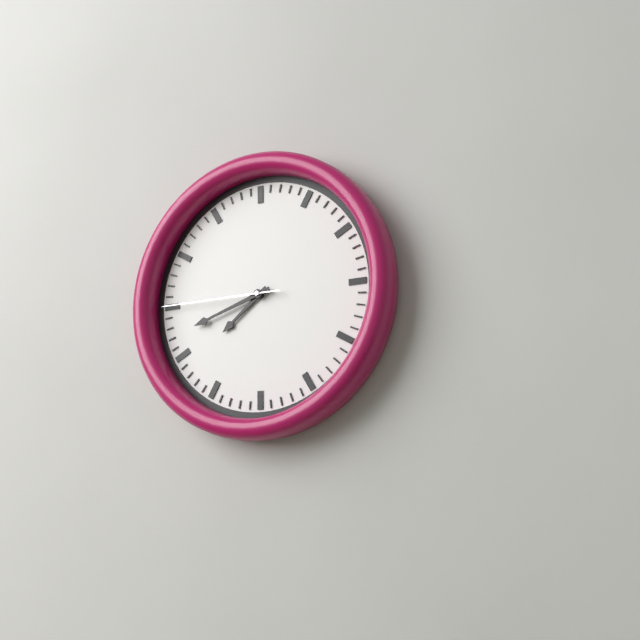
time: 7:42:45
